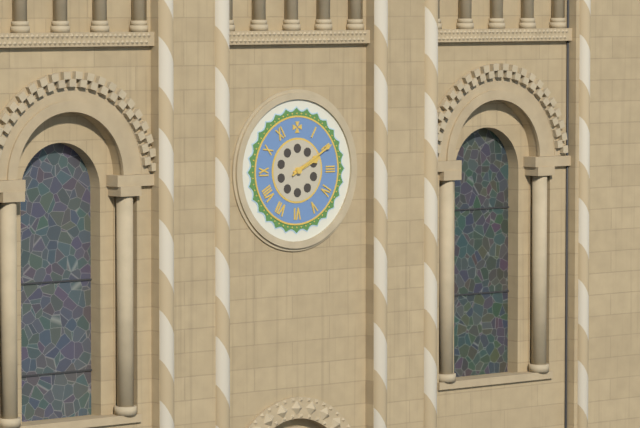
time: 2:10
